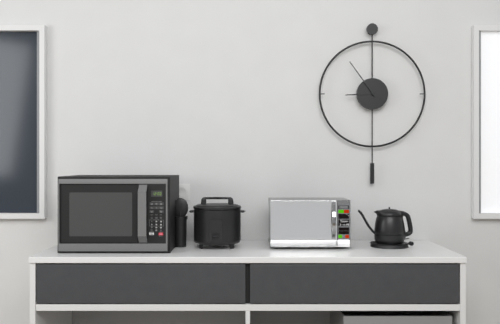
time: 8:54
